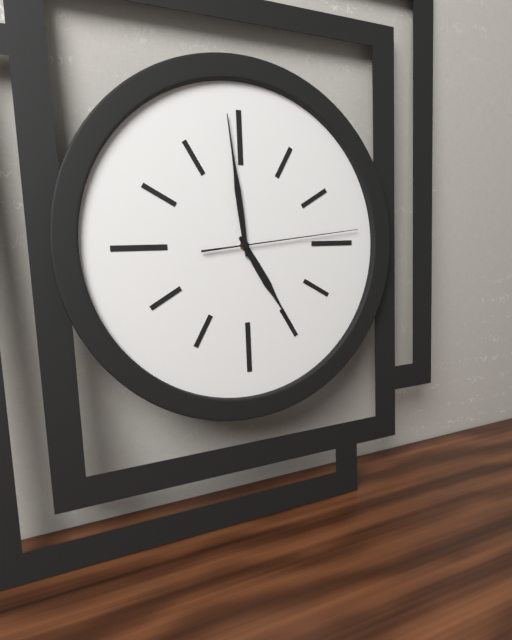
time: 4:59:14
